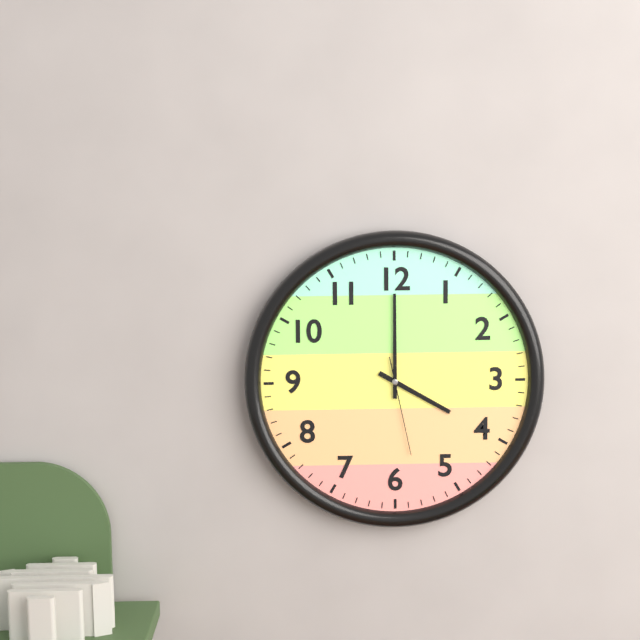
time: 4:00:28
